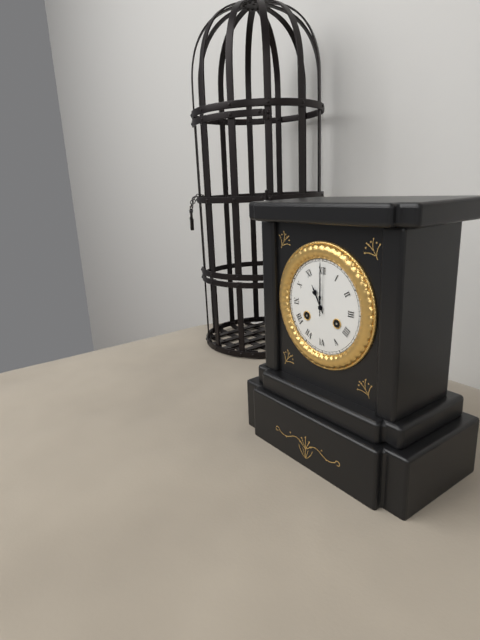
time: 11:00
